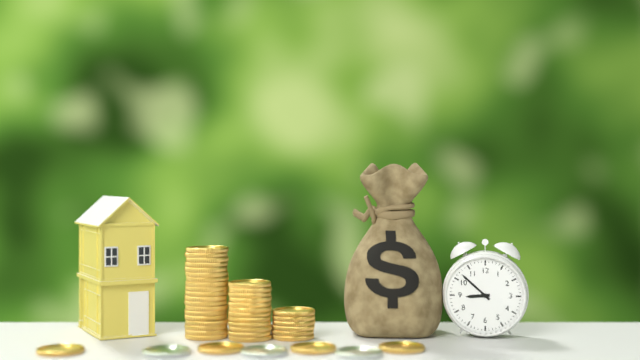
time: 8:52
